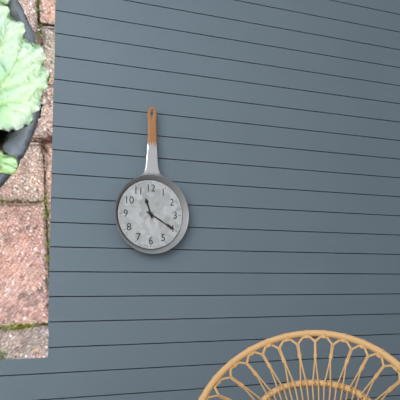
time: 11:20
